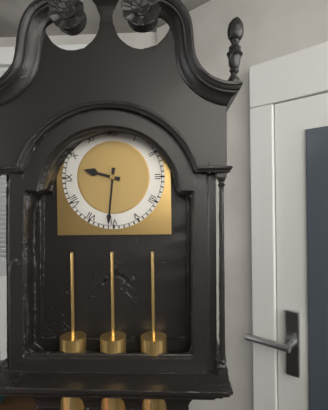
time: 9:31
